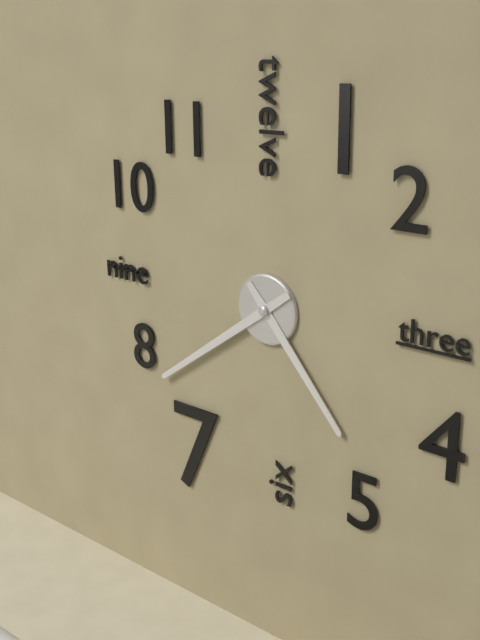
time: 4:39
